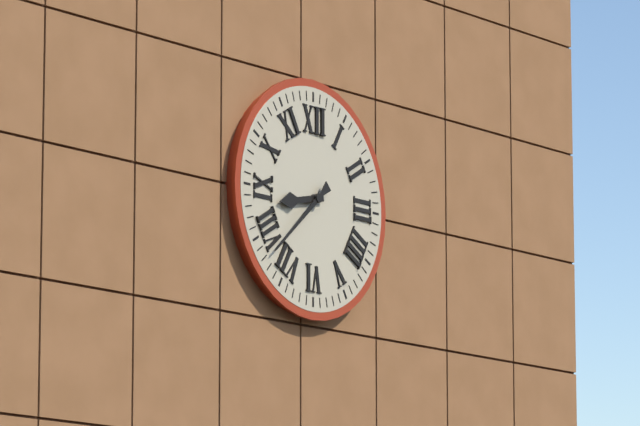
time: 8:38
